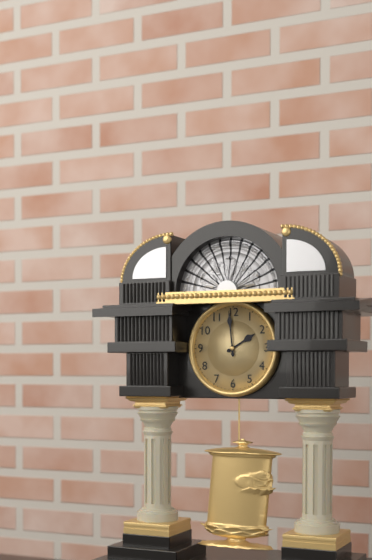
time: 1:59
